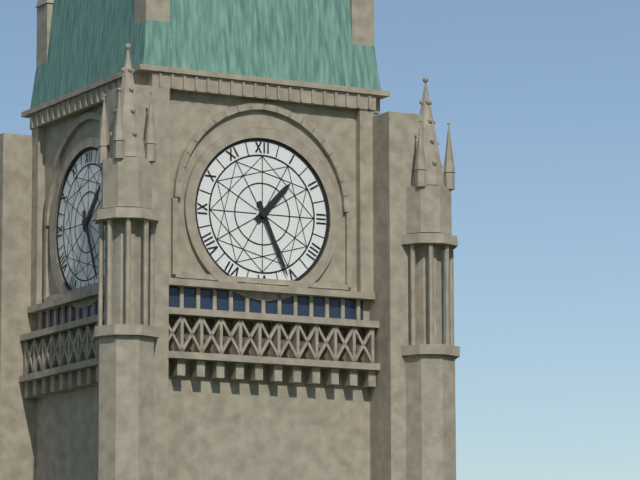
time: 1:26
